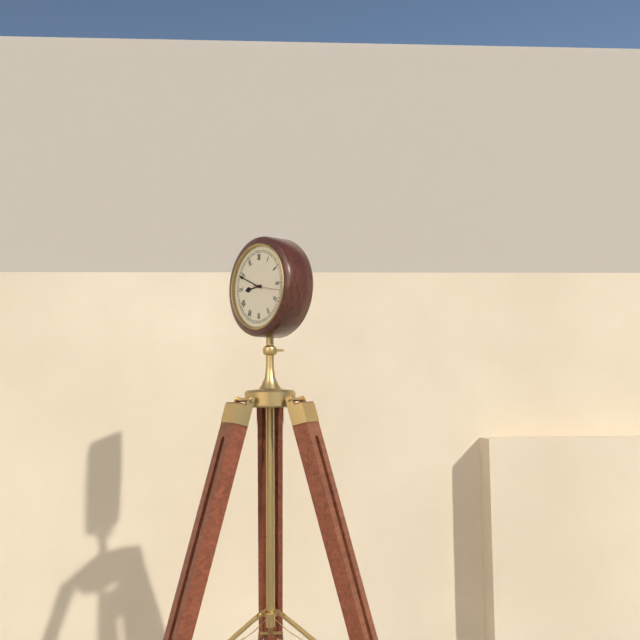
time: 8:49
